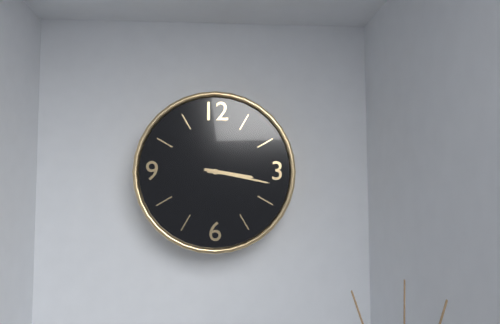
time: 3:17
